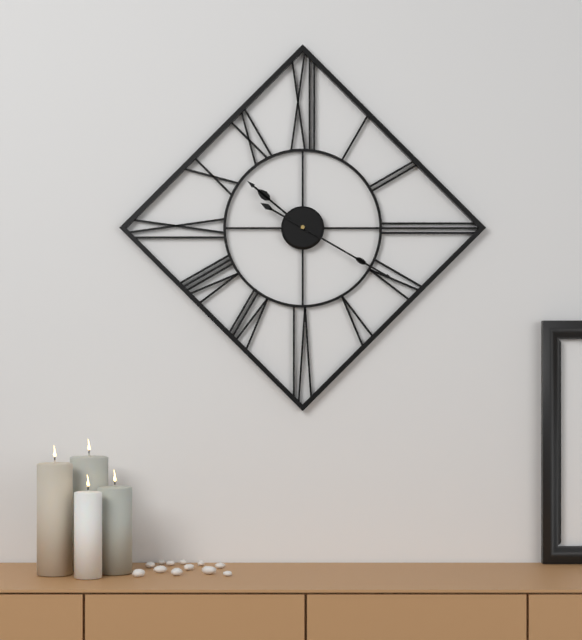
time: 10:20
